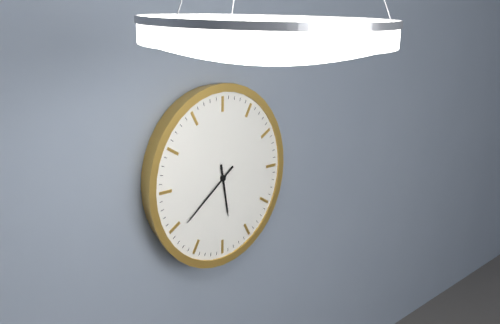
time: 5:39
